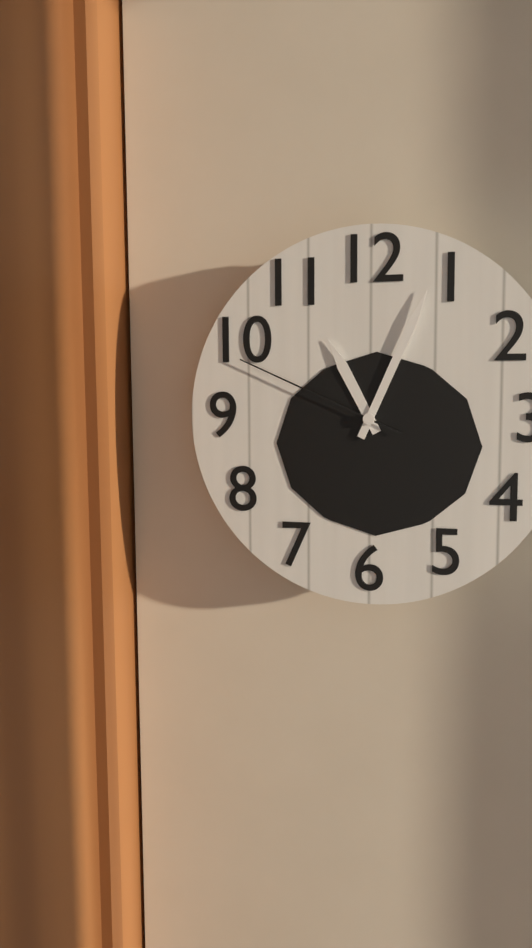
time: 11:04:49
